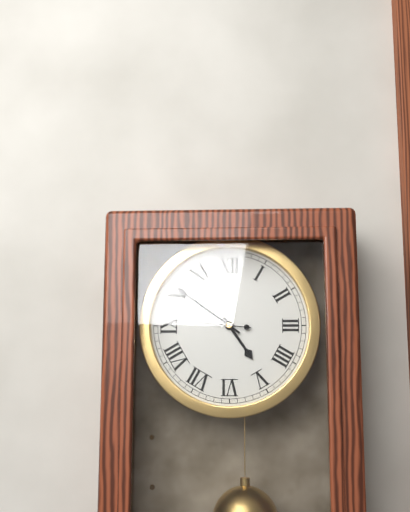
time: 4:51:46
